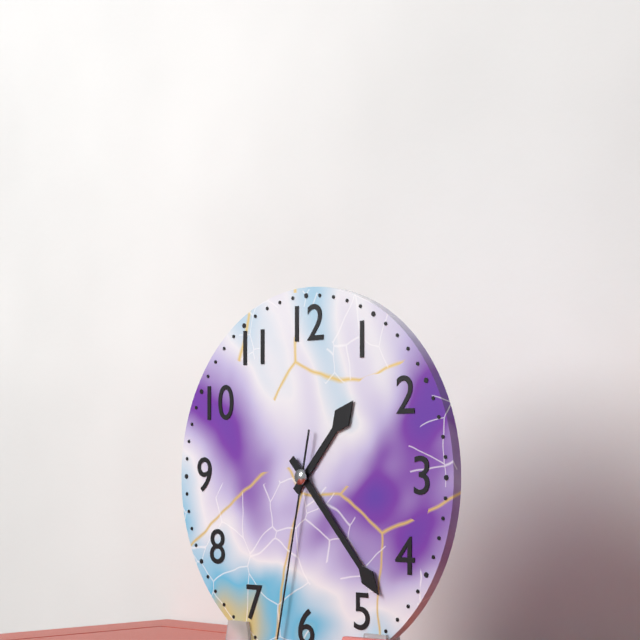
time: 1:23:32
